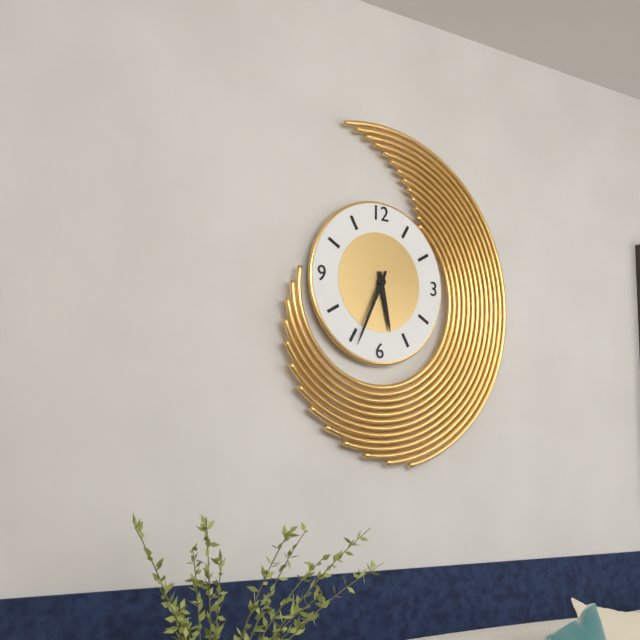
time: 5:34
